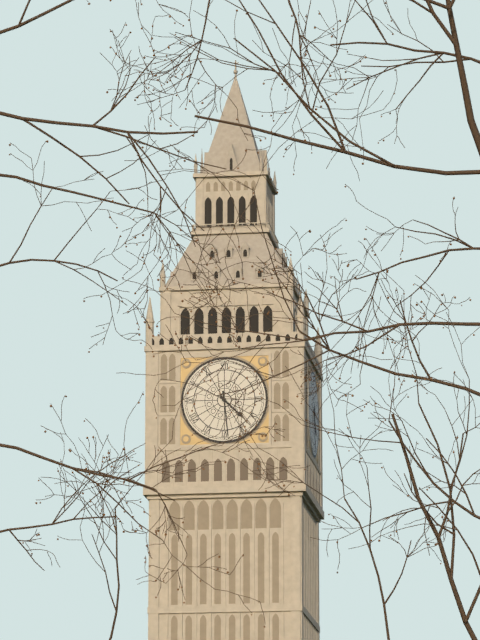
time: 4:29
